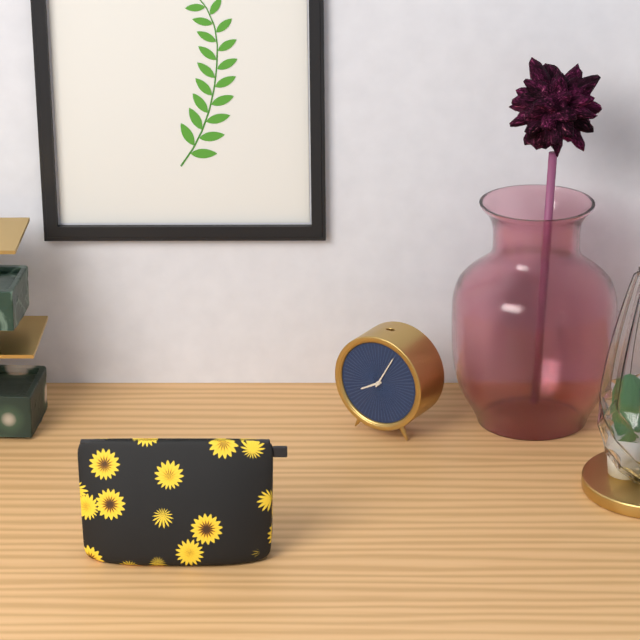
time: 8:05
